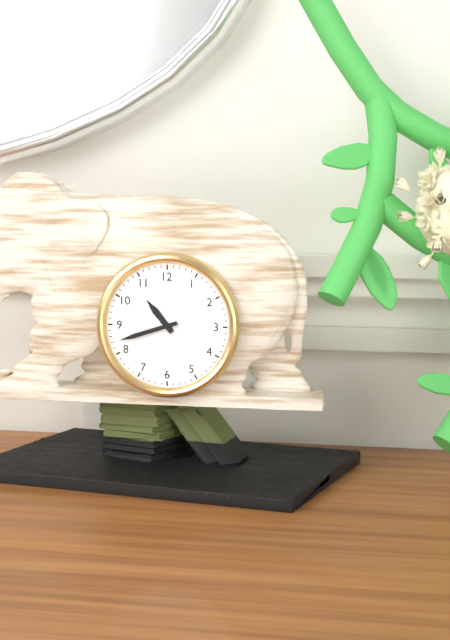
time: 10:42
